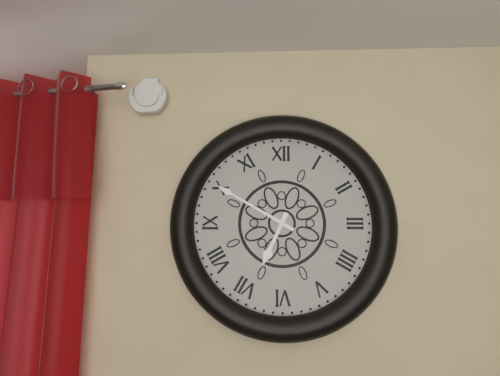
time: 6:50
